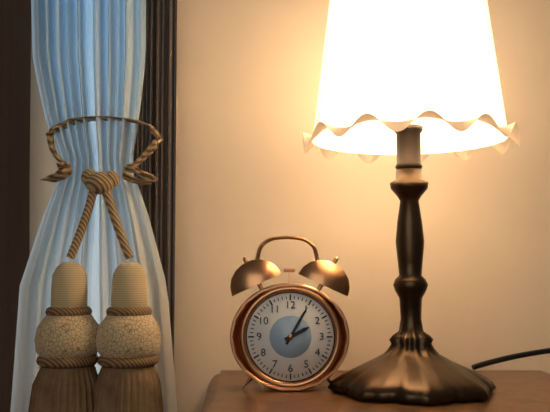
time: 2:05
